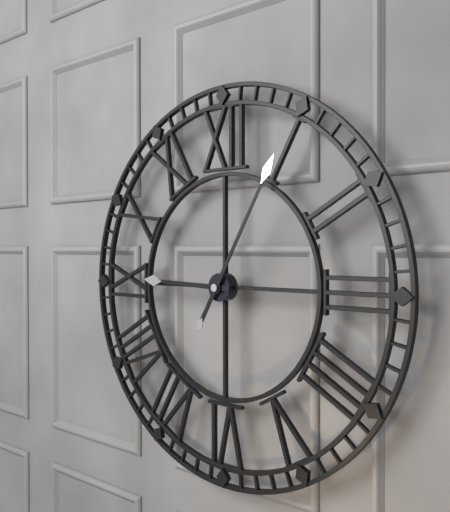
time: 9:05
